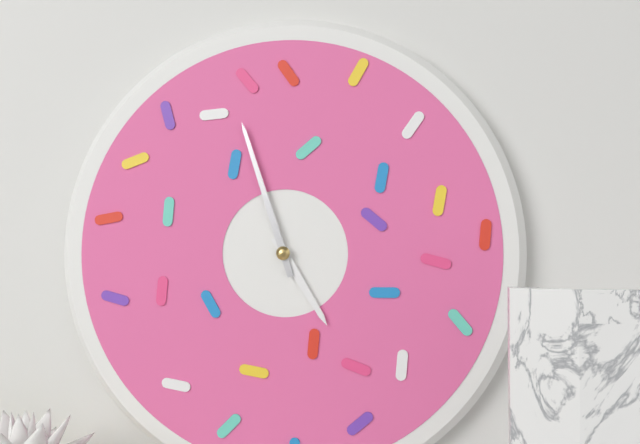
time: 4:57
